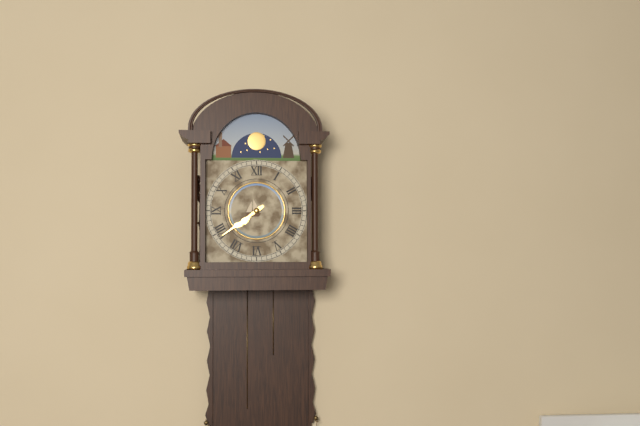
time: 7:39
